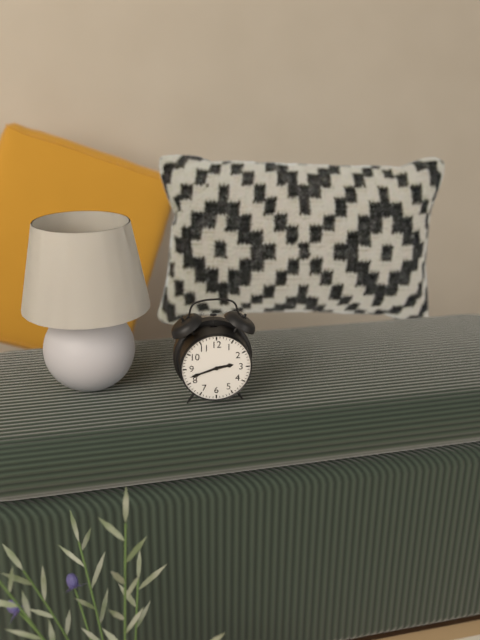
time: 2:42
